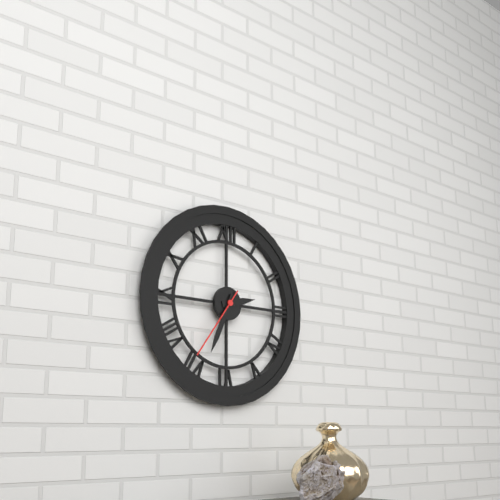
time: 2:34:36
